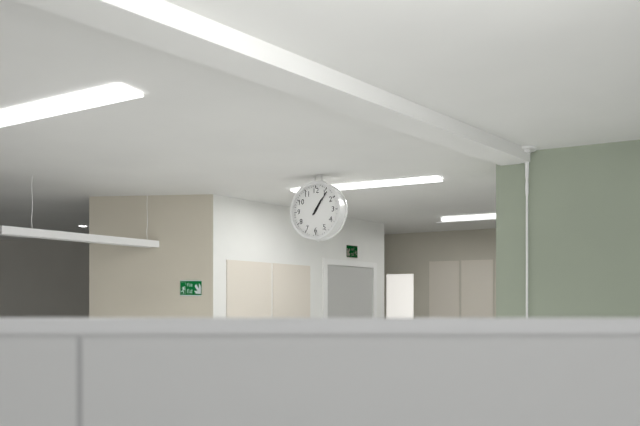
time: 1:06
